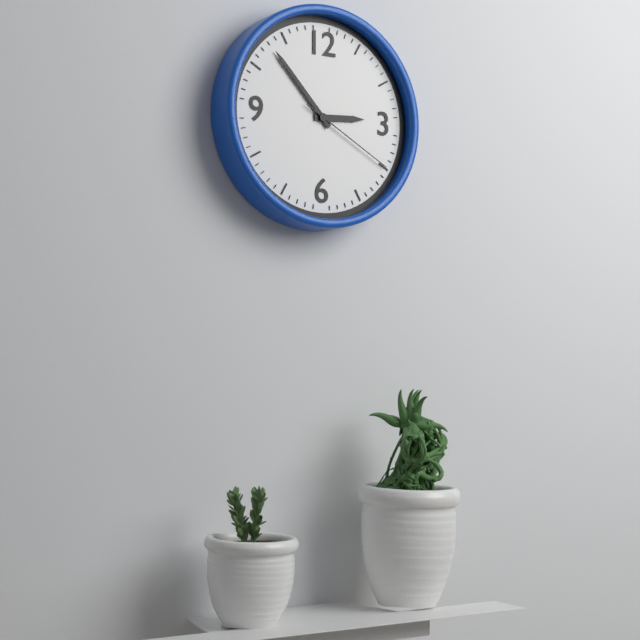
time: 2:53:20
